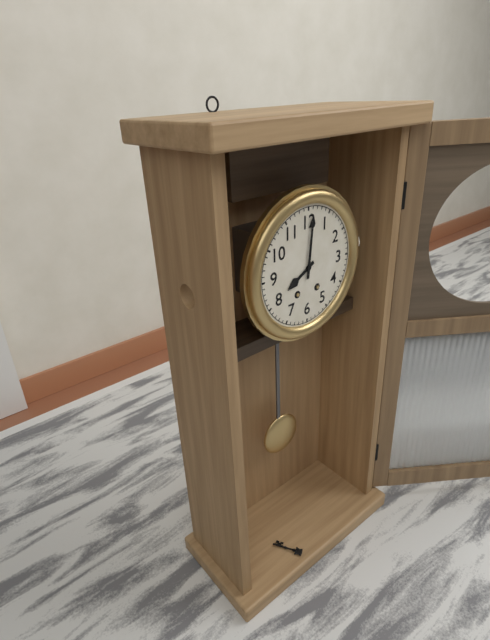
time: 8:01
